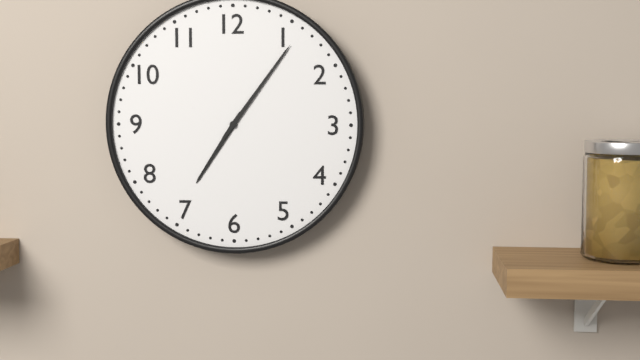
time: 7:06
